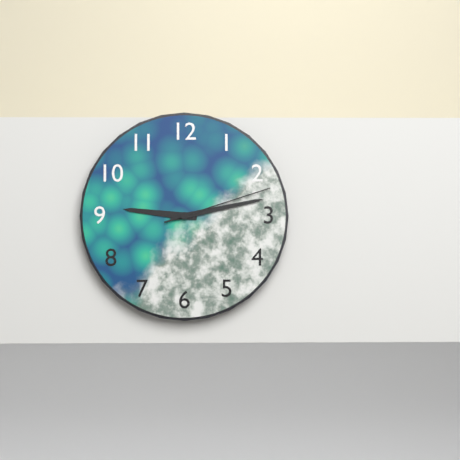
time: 9:13:12
